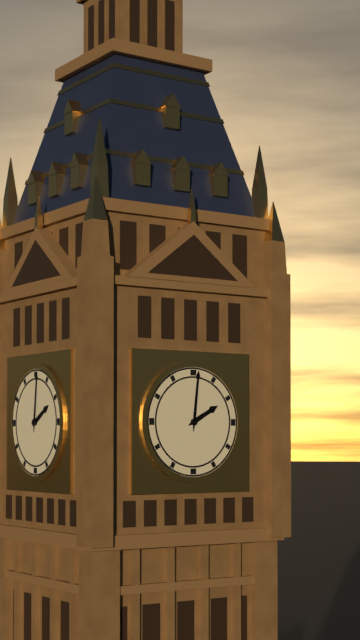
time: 2:01
